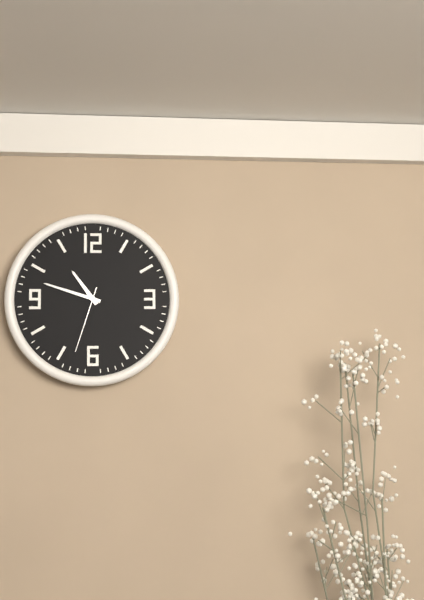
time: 10:48:33
